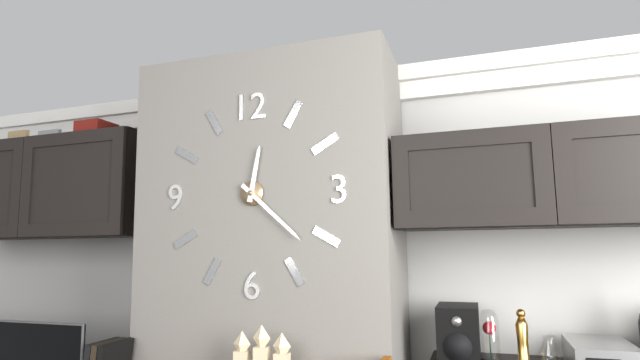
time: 12:22
